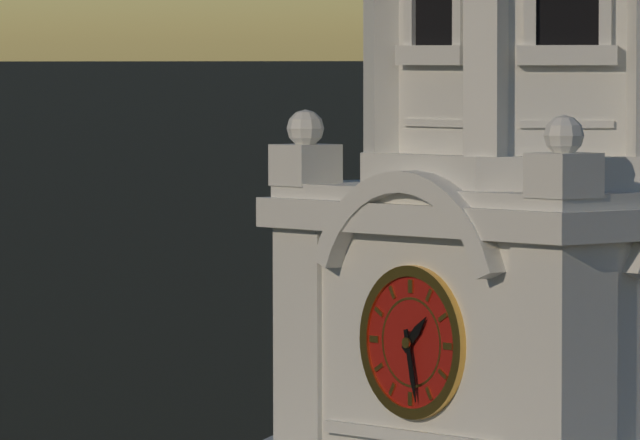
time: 1:28
